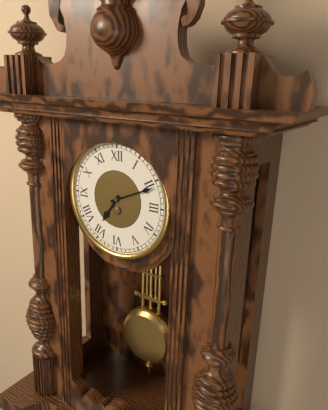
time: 7:11
